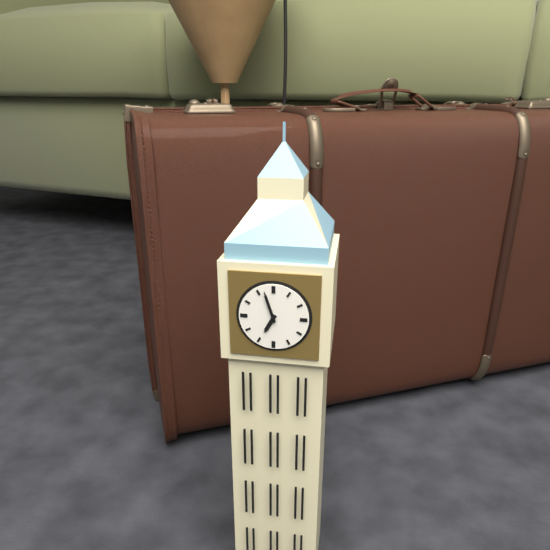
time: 6:57
